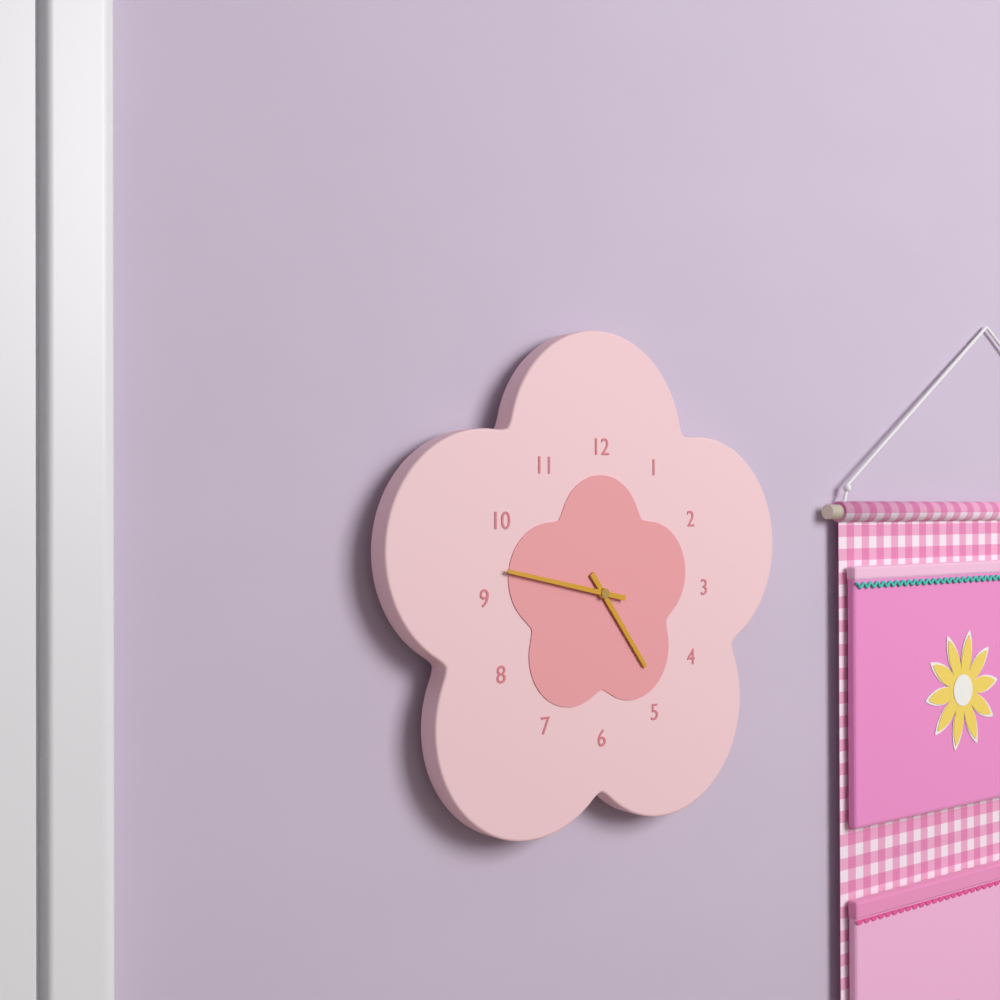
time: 4:47
